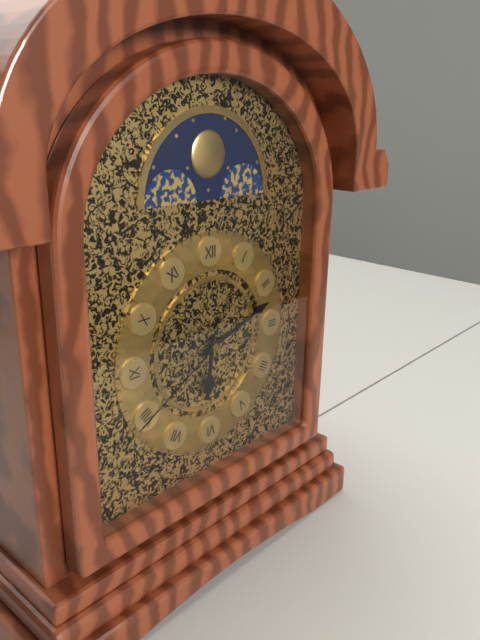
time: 6:12:40
